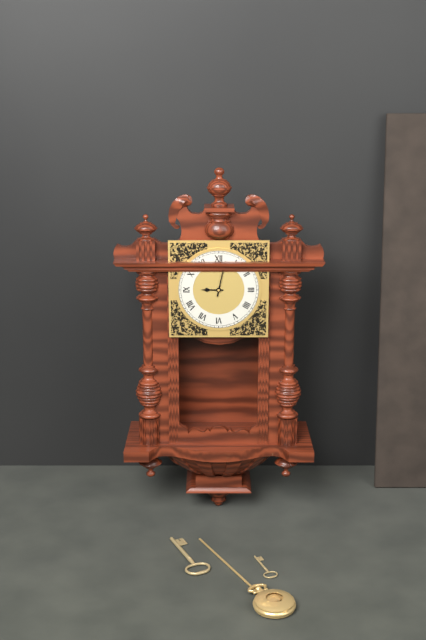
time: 9:02
